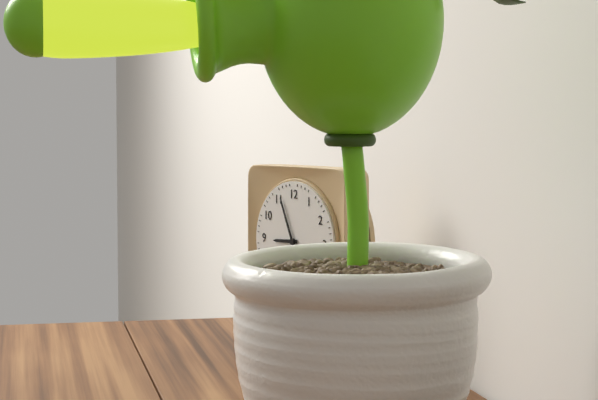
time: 8:56
